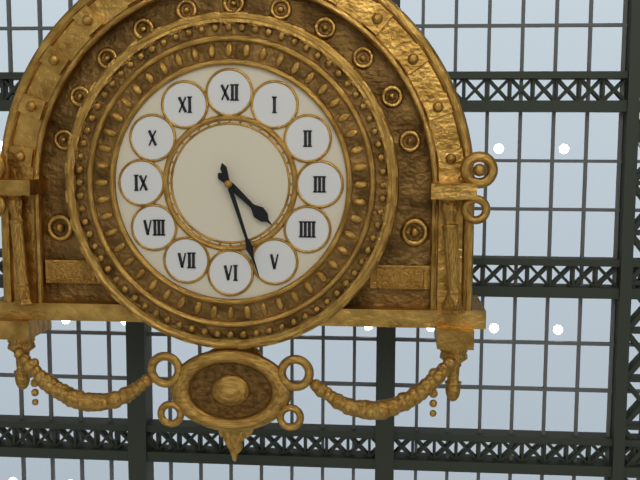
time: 4:27
